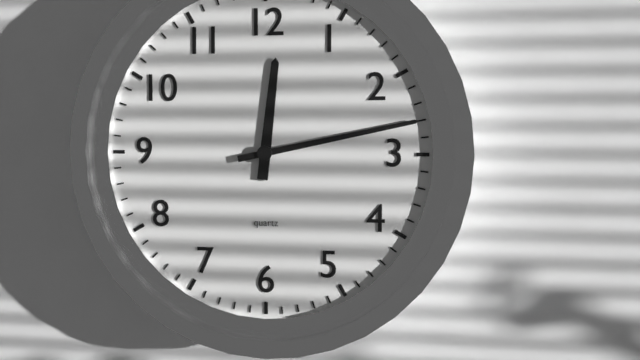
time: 12:13
